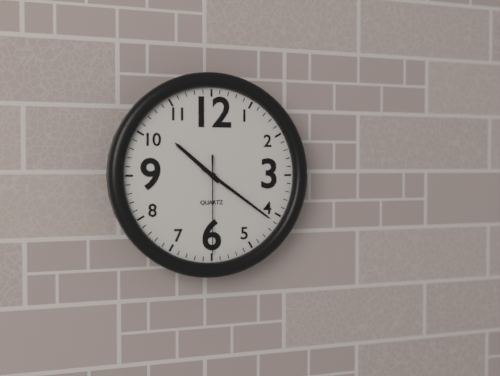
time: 10:21:30
